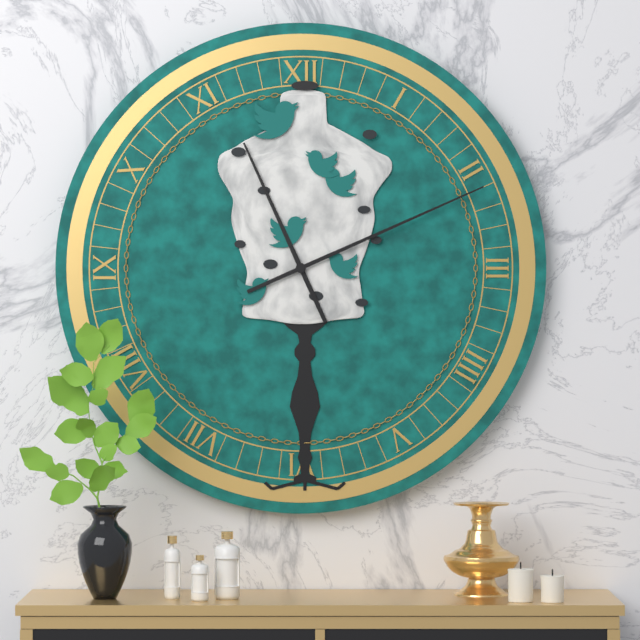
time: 11:11
